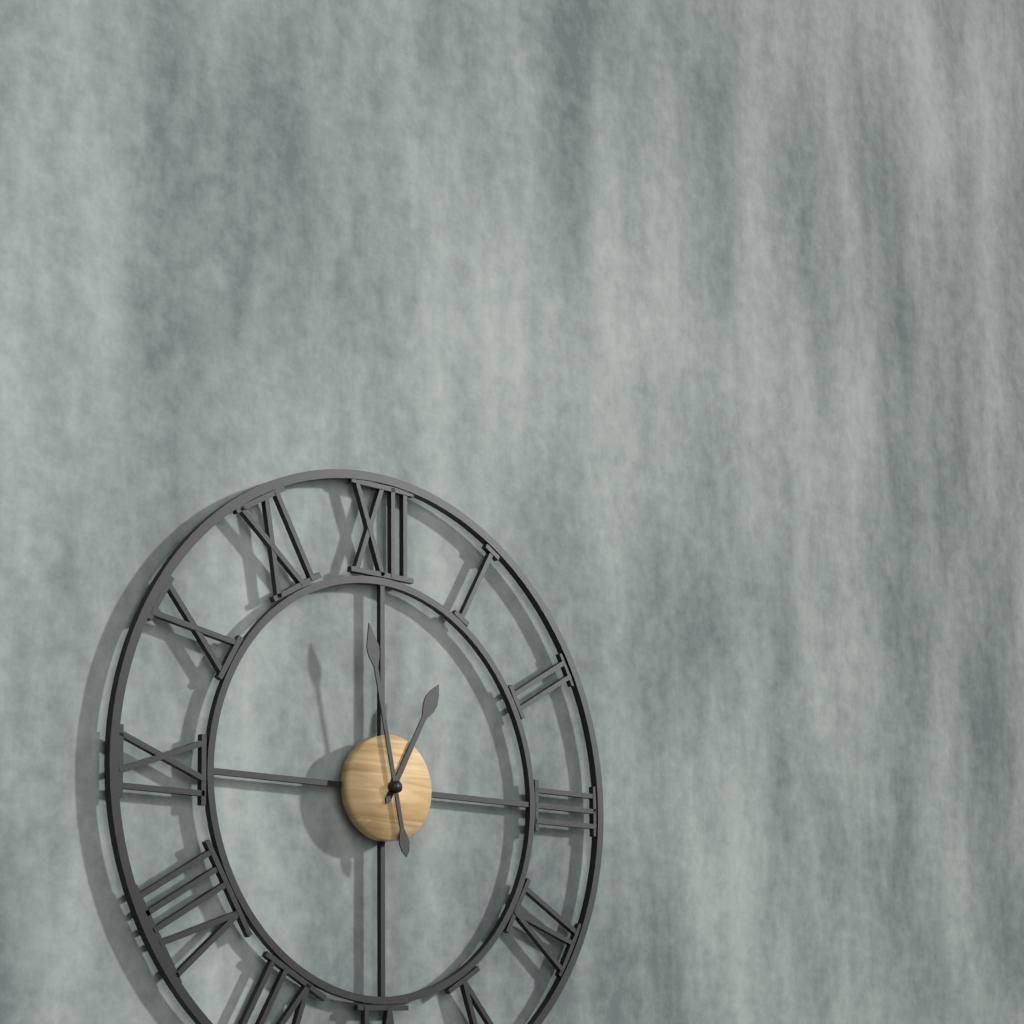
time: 12:58
